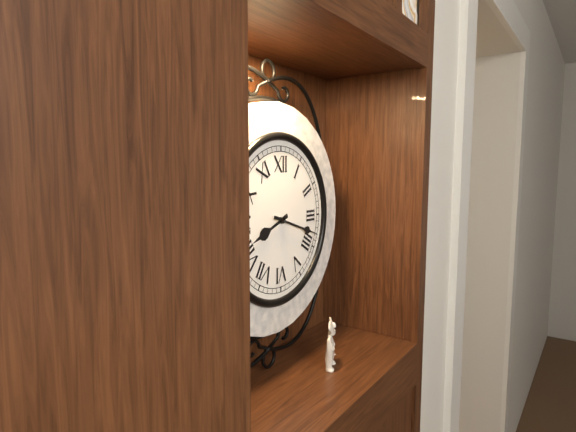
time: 8:18
